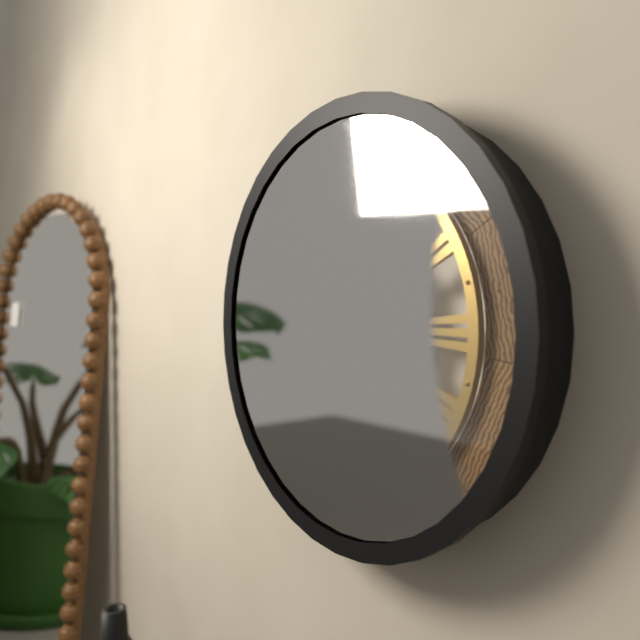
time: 5:54
